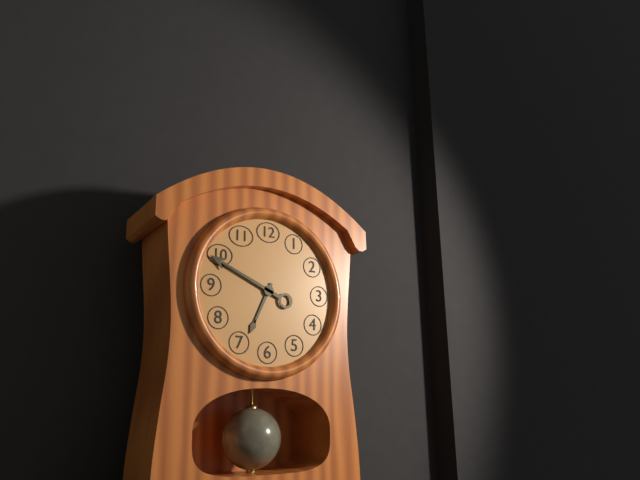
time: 6:49
